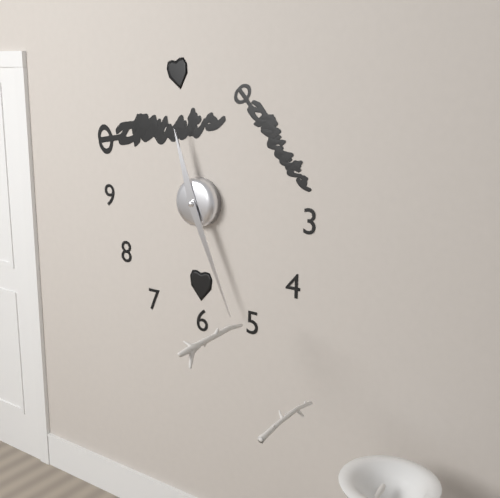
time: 11:26
